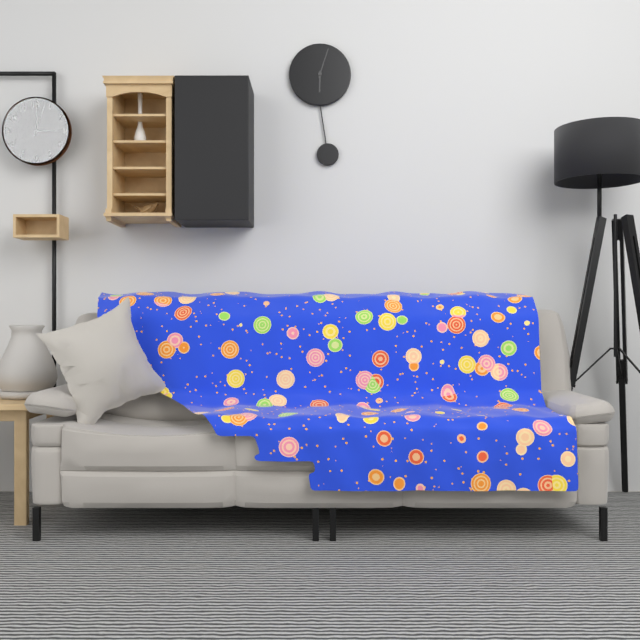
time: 6:03
